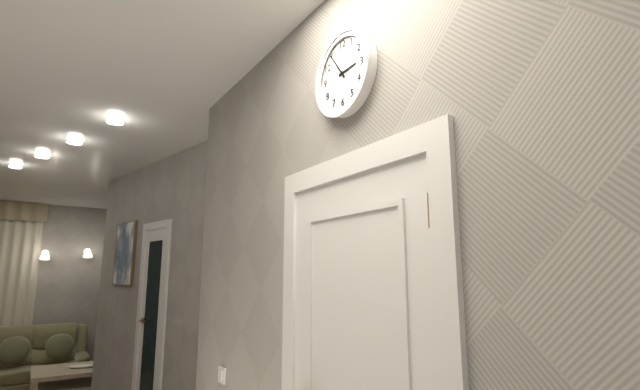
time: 2:54
